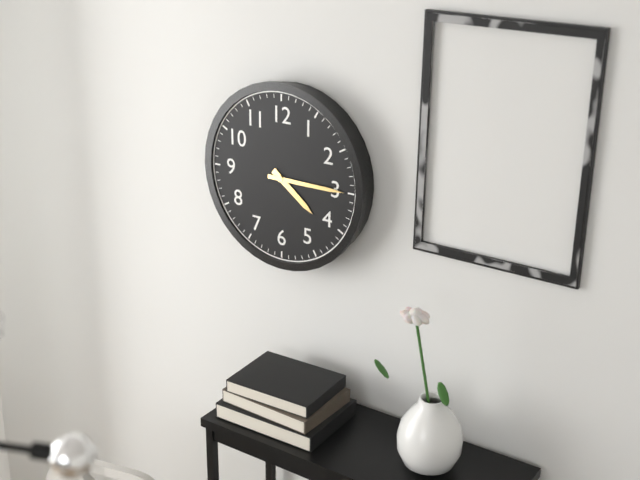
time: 4:15
